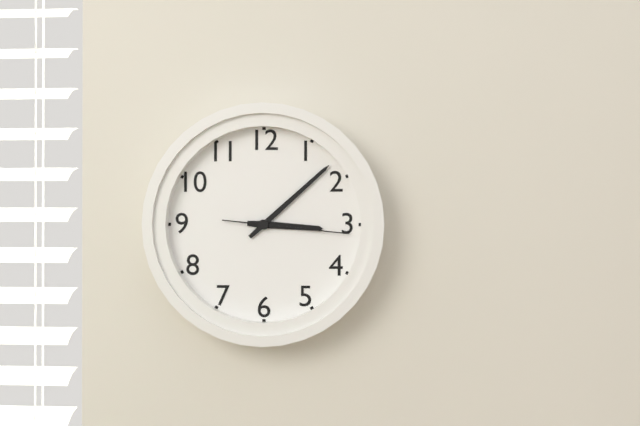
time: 3:08:16
